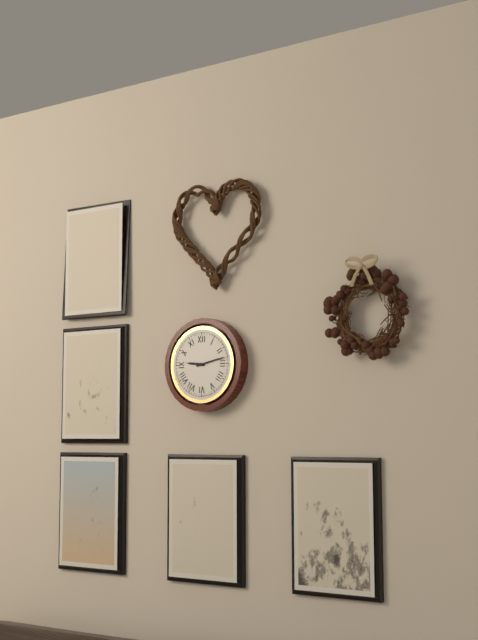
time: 9:13
